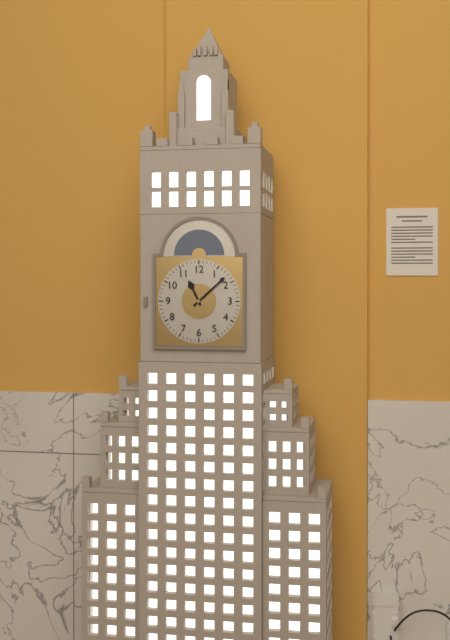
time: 11:08
